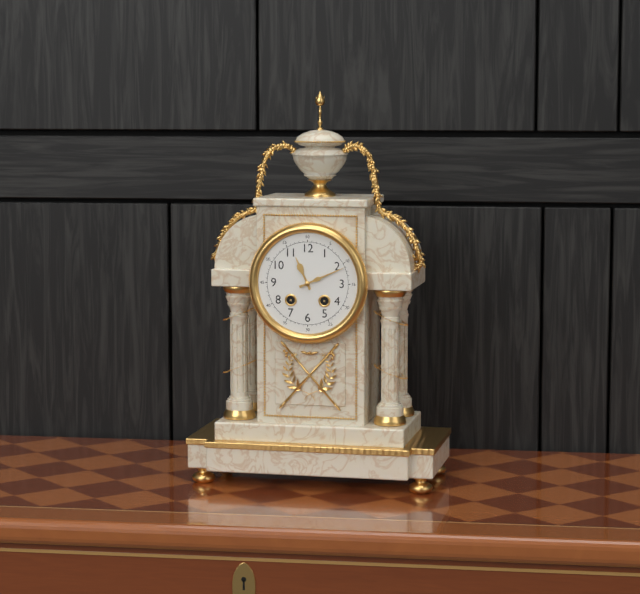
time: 11:11
